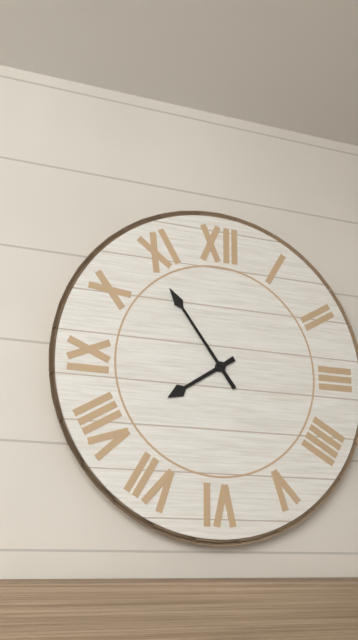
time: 7:54
